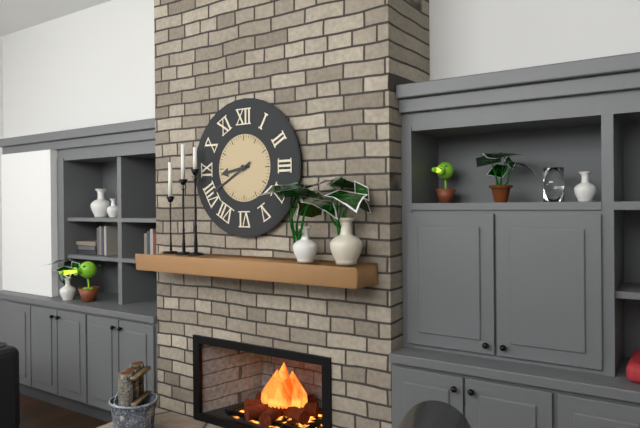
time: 8:40
